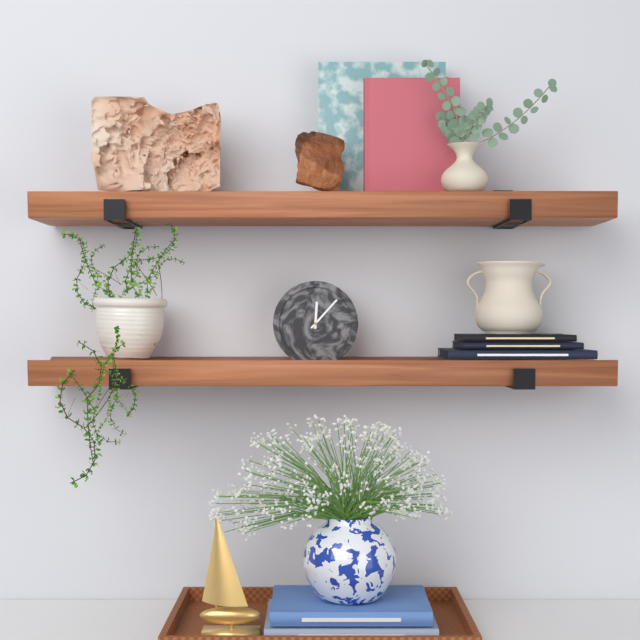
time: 12:07
